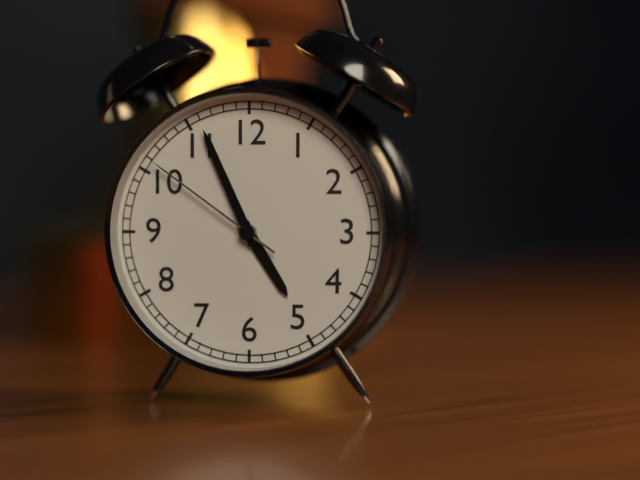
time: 4:56:51
